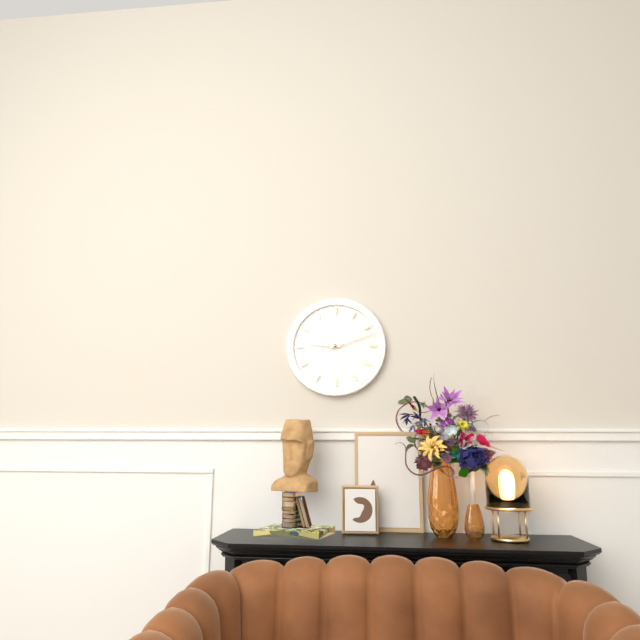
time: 9:12
